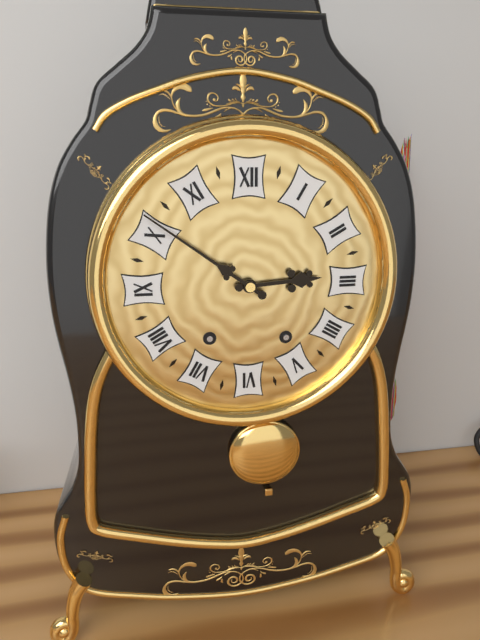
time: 2:51
